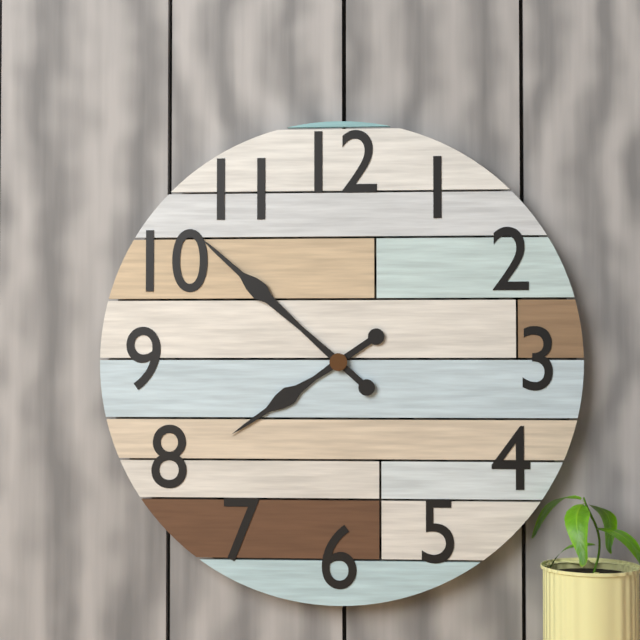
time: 7:52
